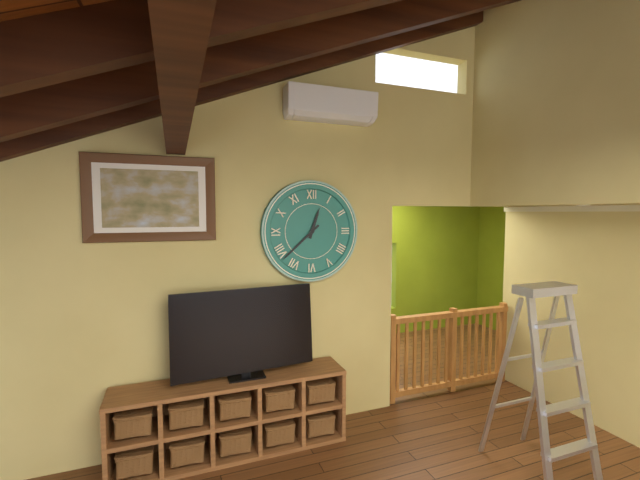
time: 12:38
